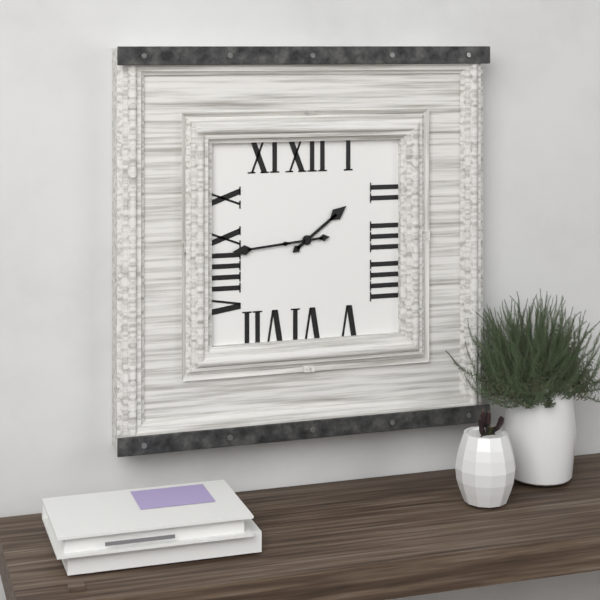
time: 1:44
